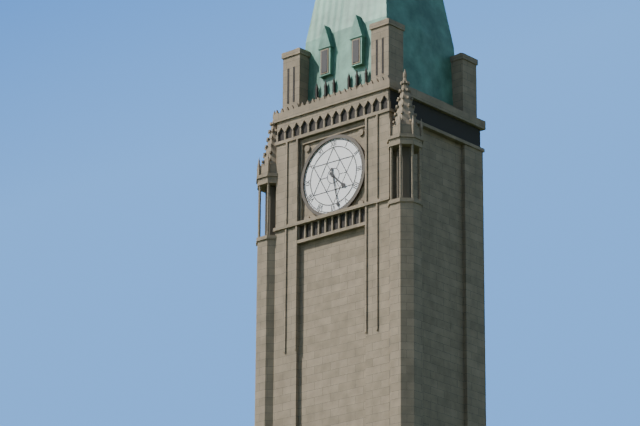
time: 4:28
